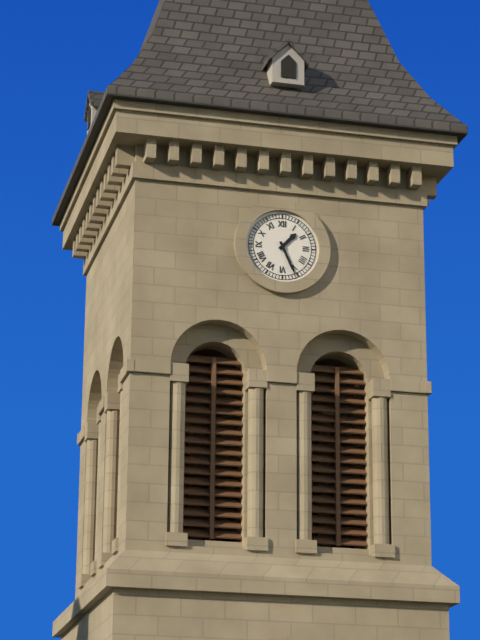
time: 1:26
